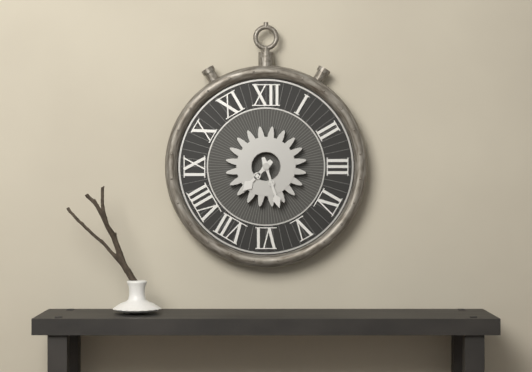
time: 7:27
